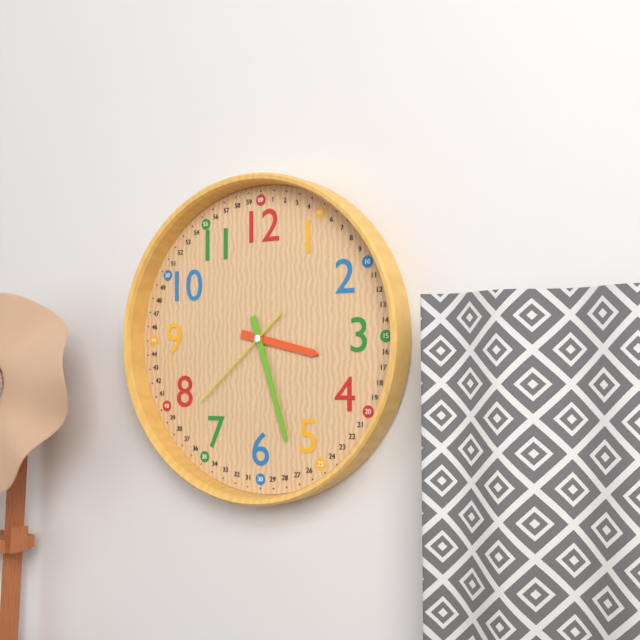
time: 3:27:38
